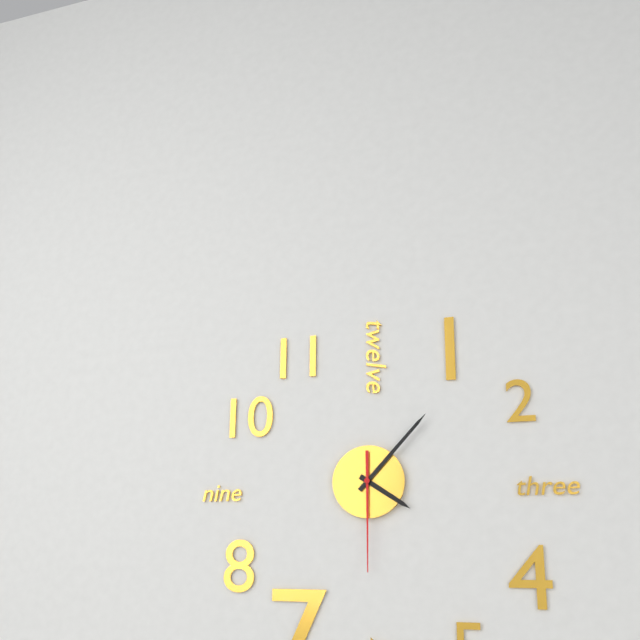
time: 4:07:30
